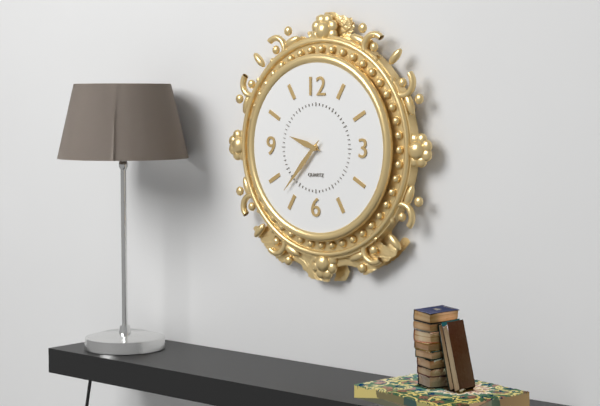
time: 9:37
